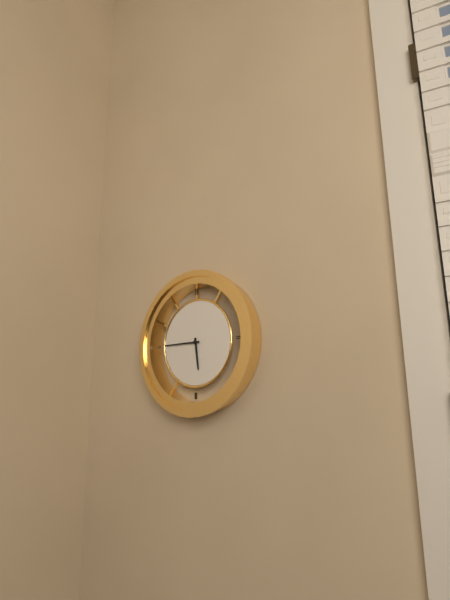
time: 5:45
